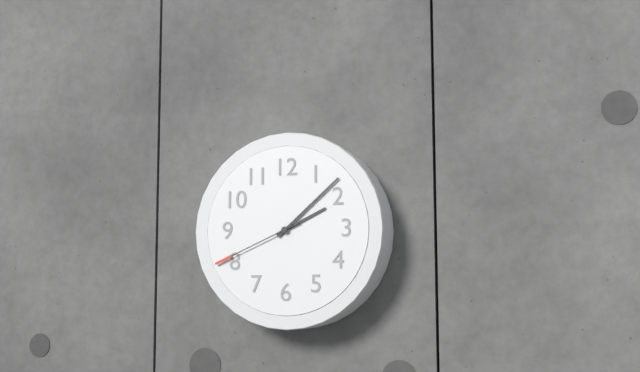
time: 2:08:41
